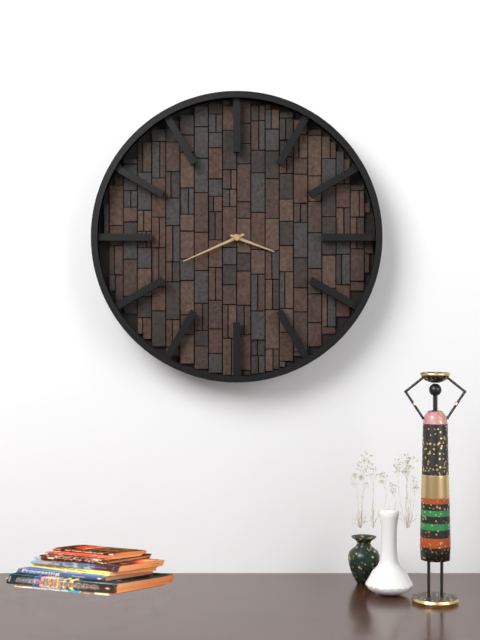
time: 3:41
